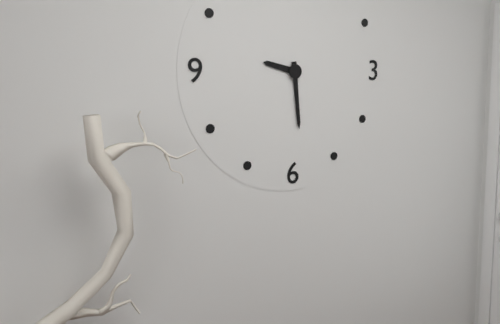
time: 9:29
